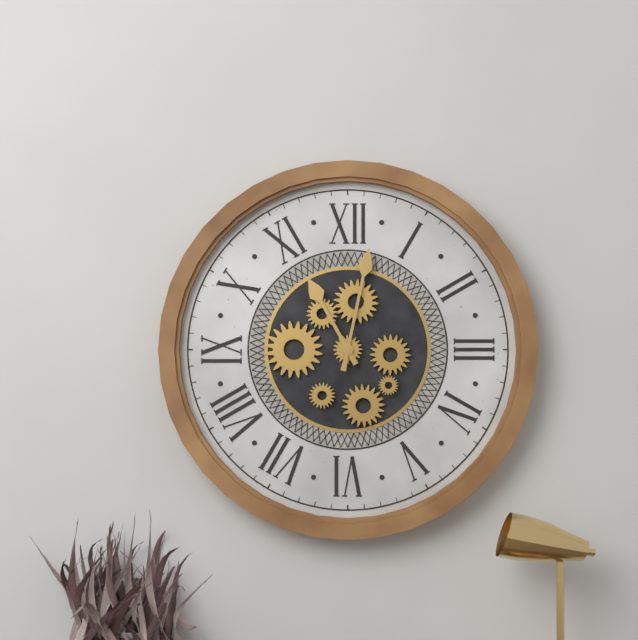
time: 11:02
